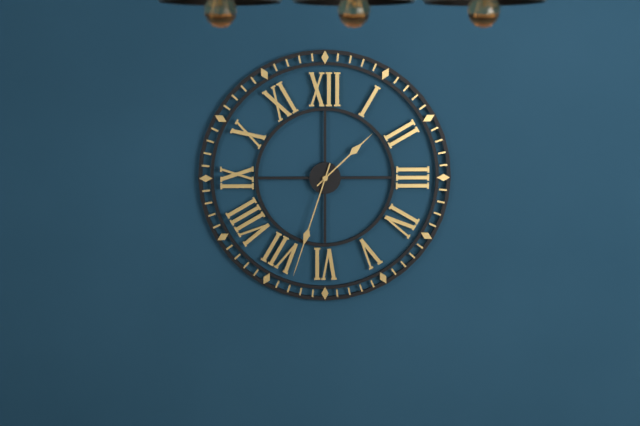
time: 1:33
